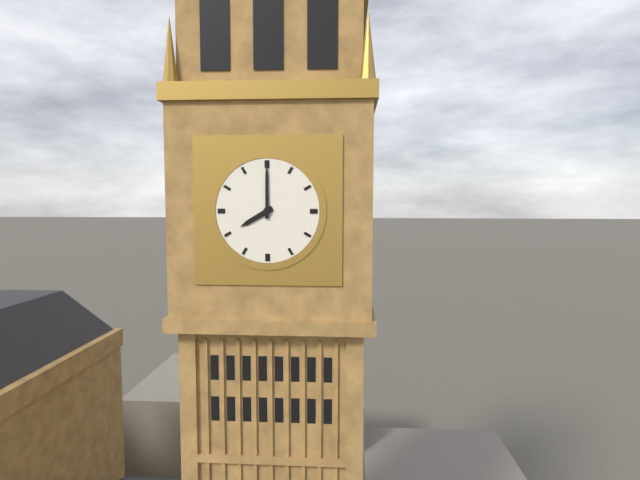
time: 8:00
